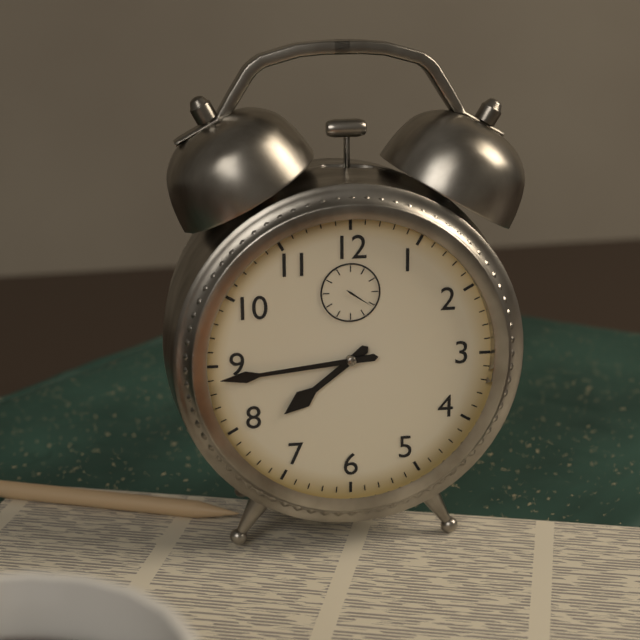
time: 7:44
